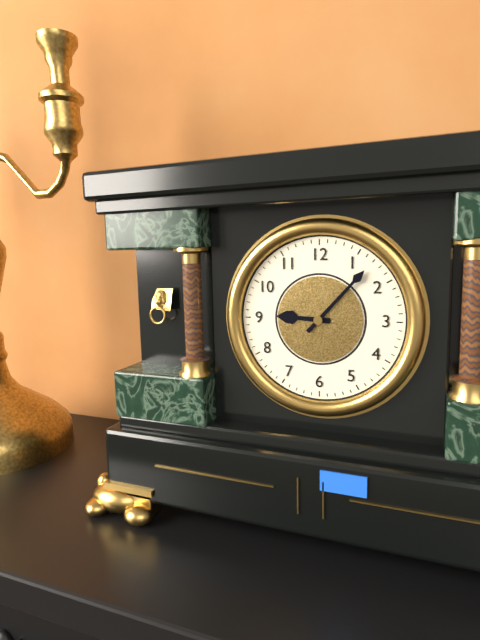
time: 9:07
